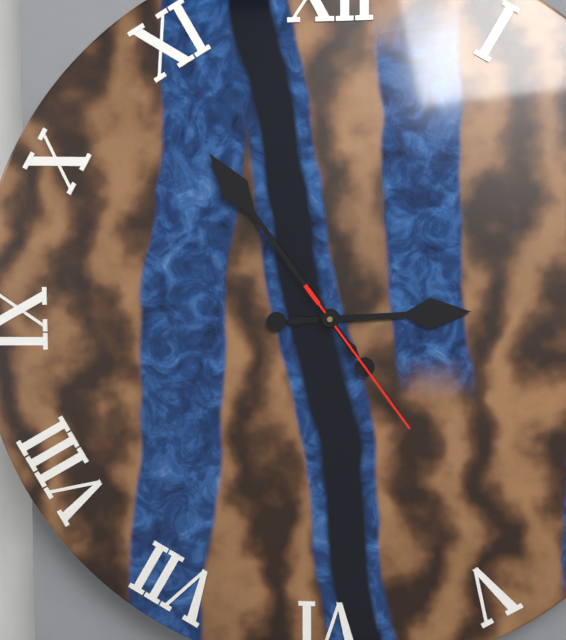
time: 2:54:24
